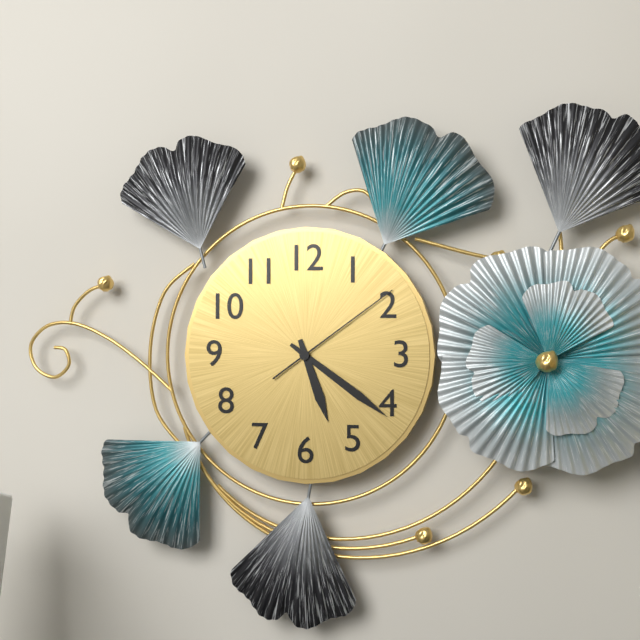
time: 5:21:09
